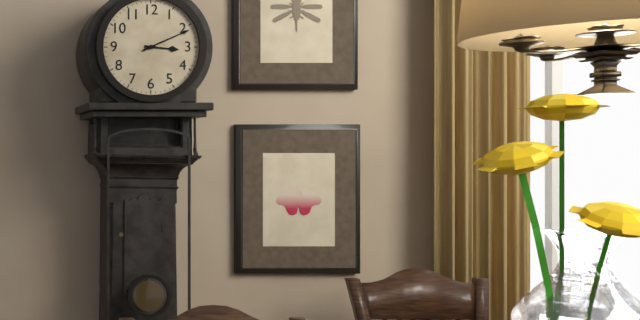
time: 3:11
